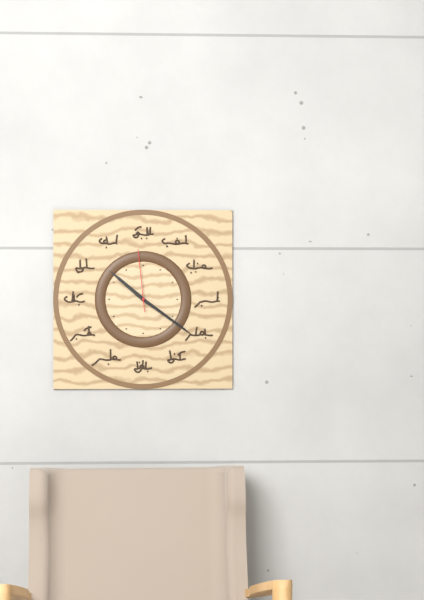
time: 10:21:59
